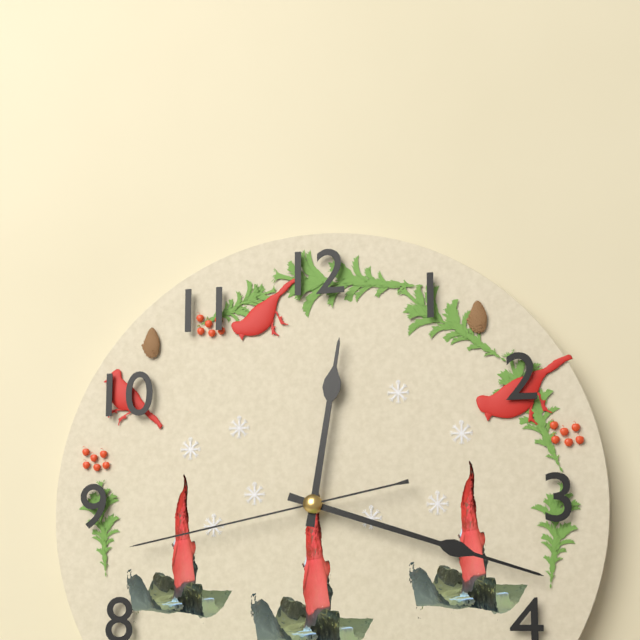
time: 12:18:43
